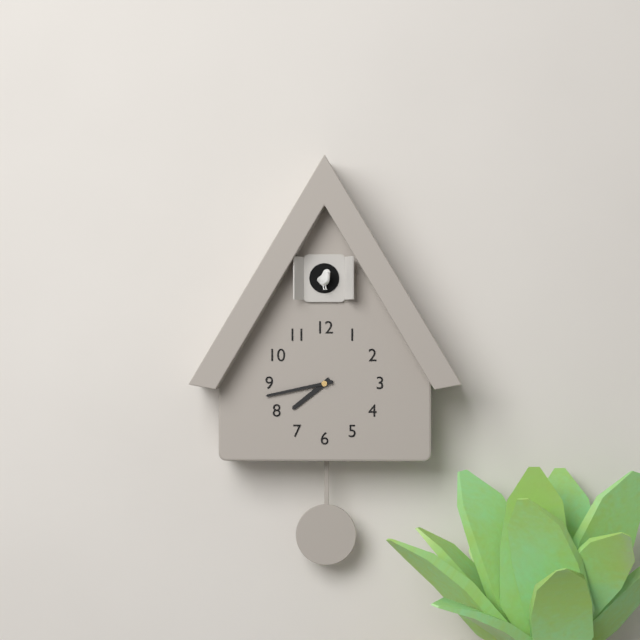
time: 7:43
